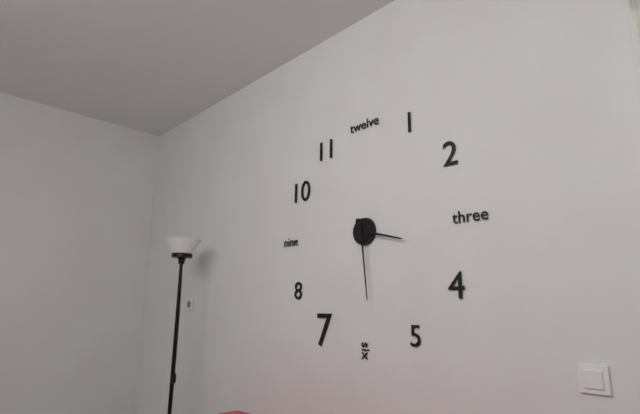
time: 3:29
